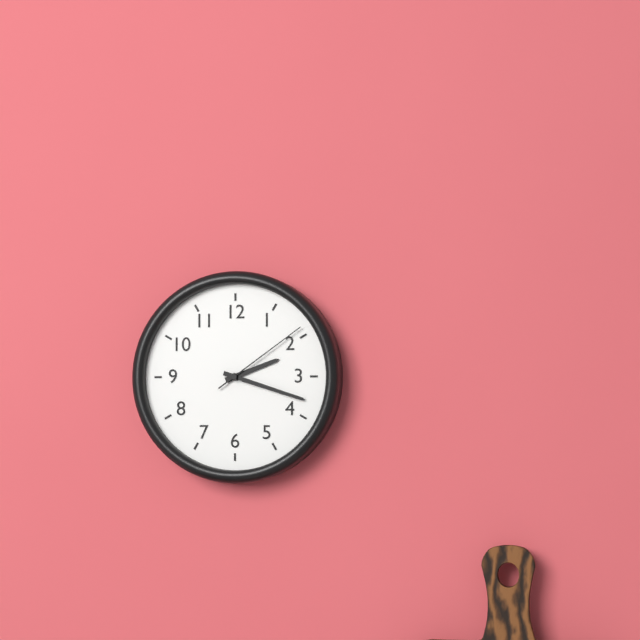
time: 2:18:09
